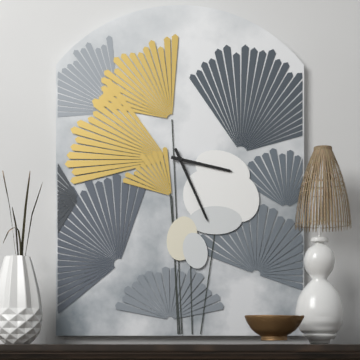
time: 3:26
